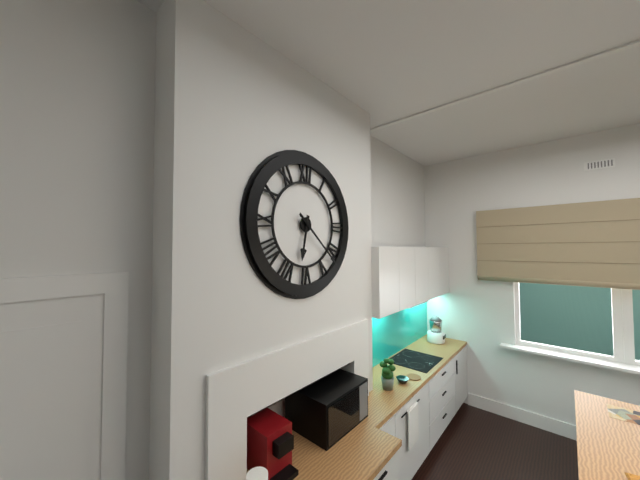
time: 6:22
